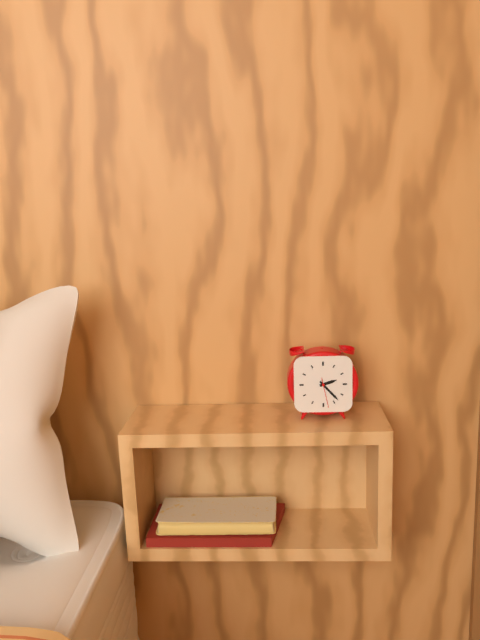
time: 2:23
